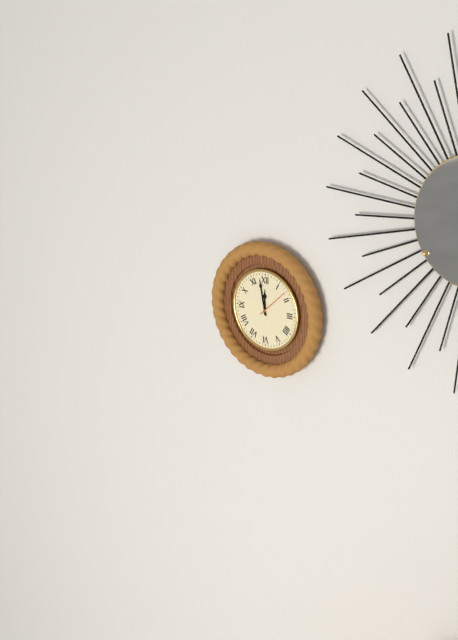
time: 11:58
